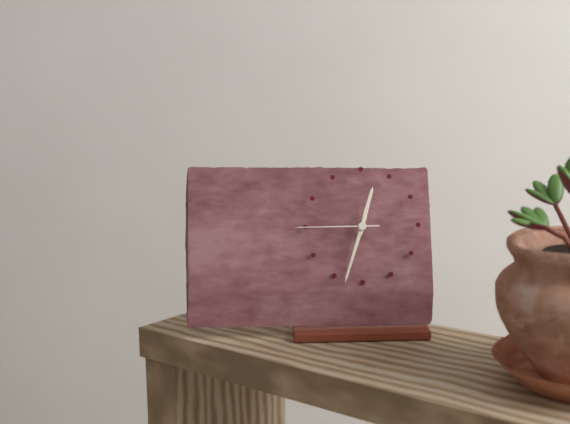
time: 12:33:45
